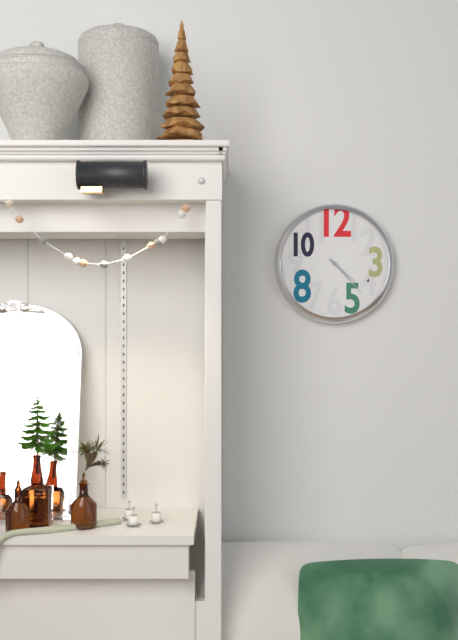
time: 4:23
